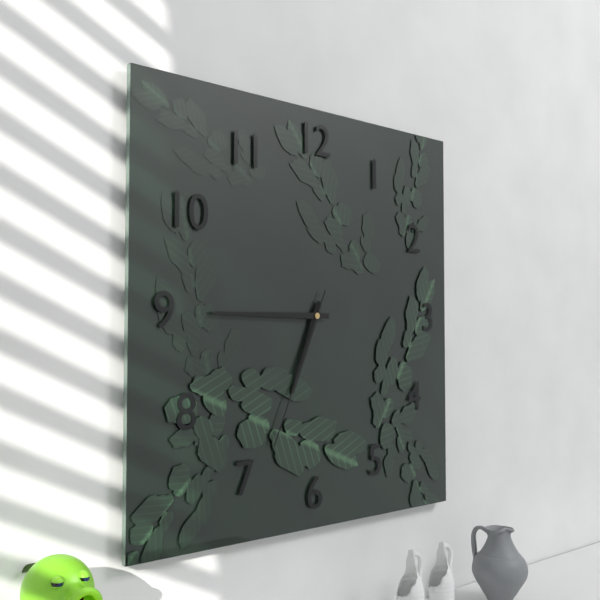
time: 6:45:34
